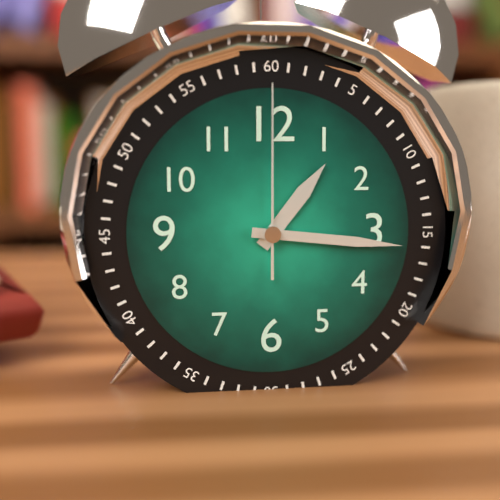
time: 1:16:00
